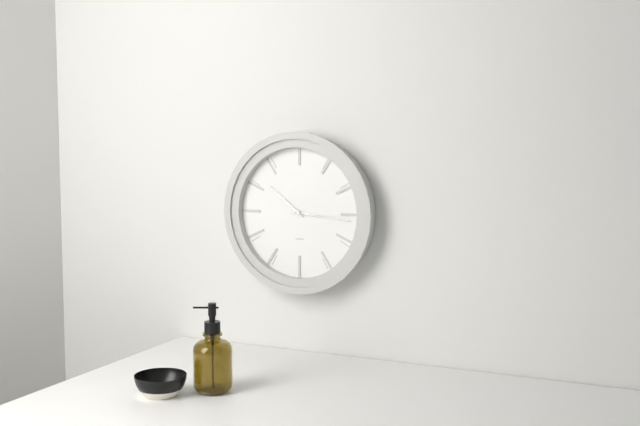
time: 10:16
